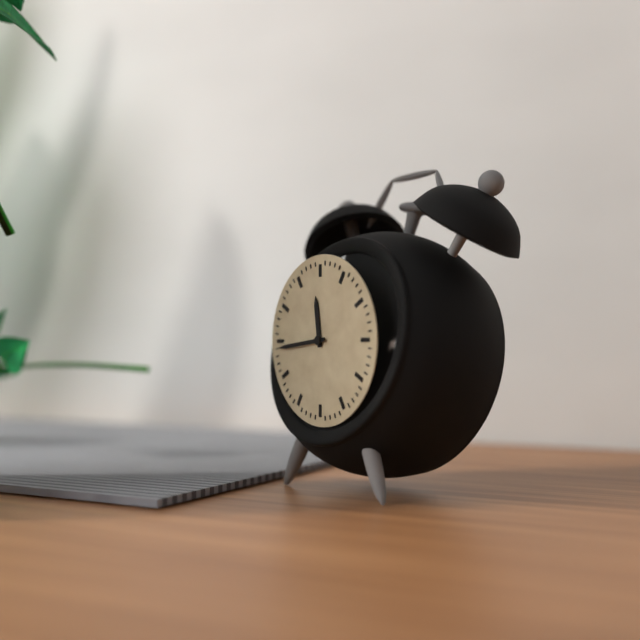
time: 11:44
